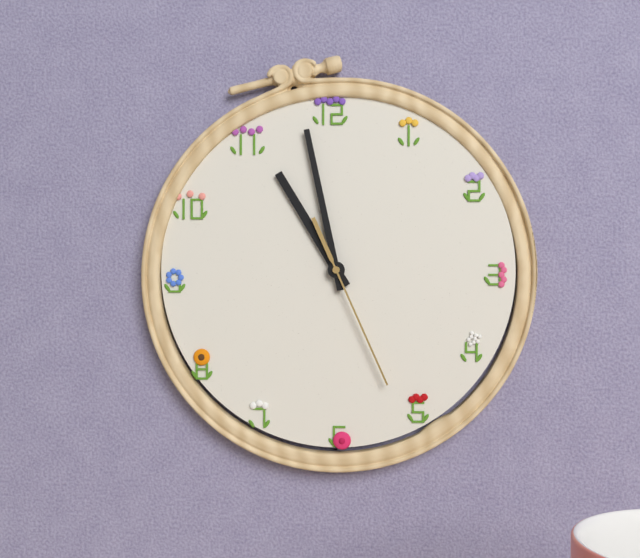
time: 10:58:26
